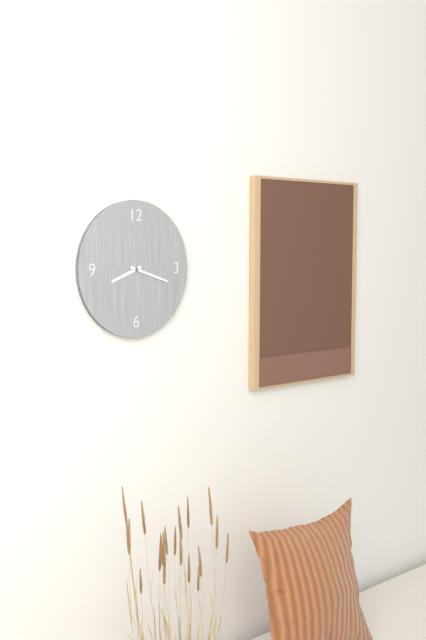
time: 8:18
